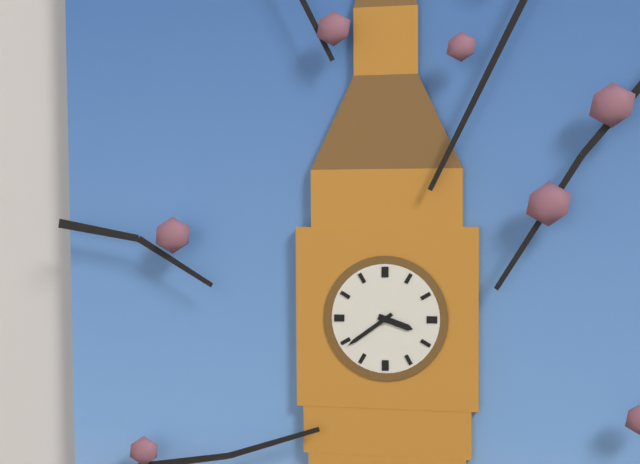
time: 3:39
